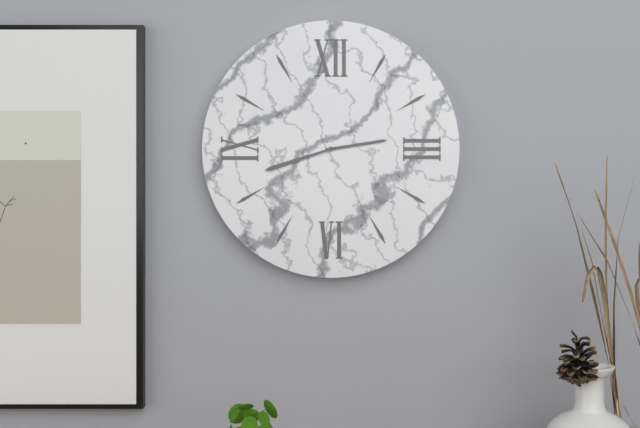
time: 2:42
